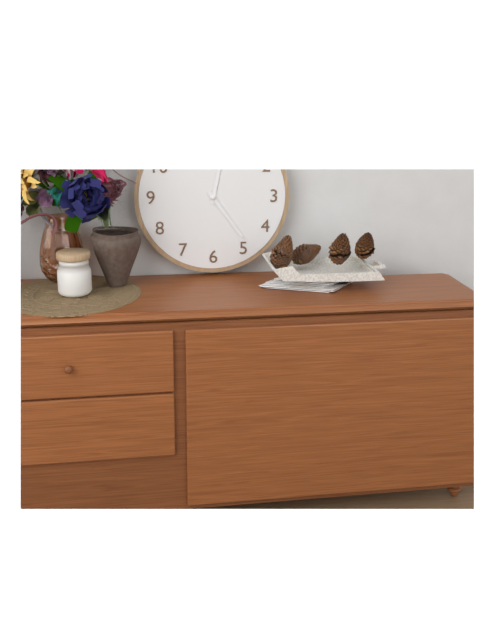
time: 12:24
